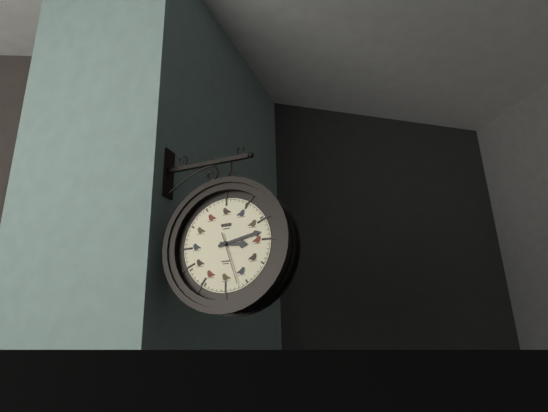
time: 3:13:27
